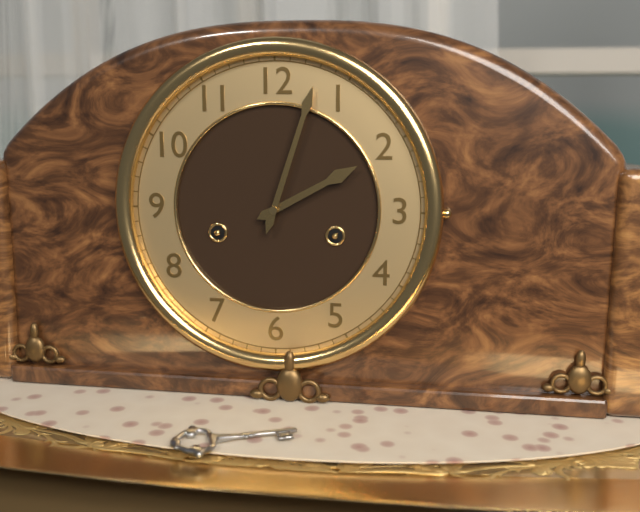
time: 2:03
